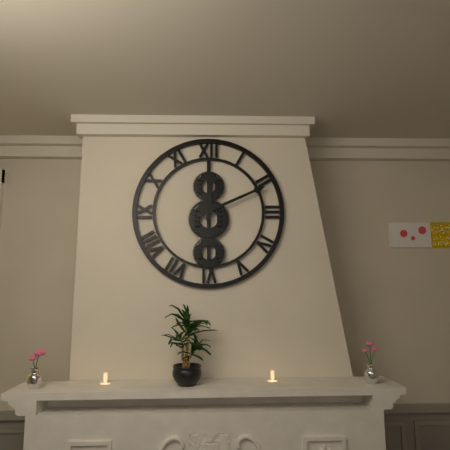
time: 12:11
